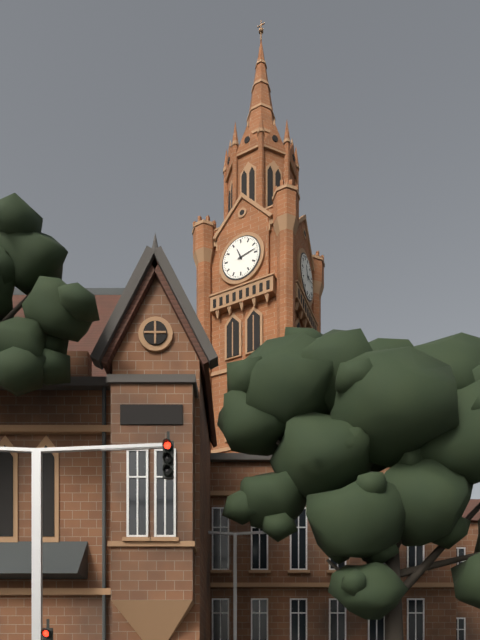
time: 11:13
